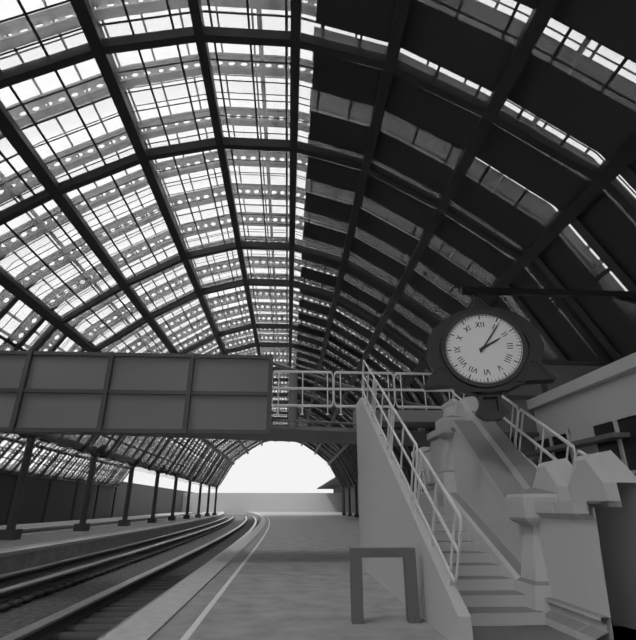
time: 2:06
